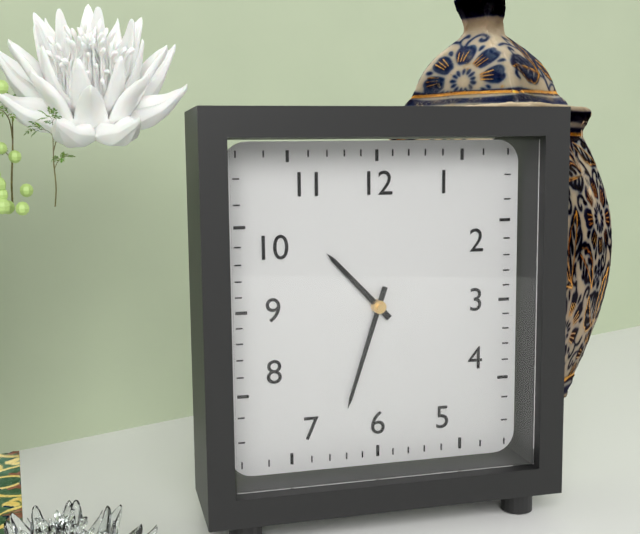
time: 10:33
